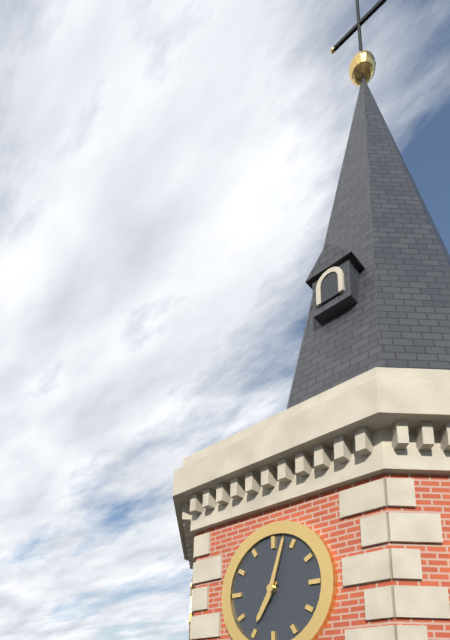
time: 7:03
